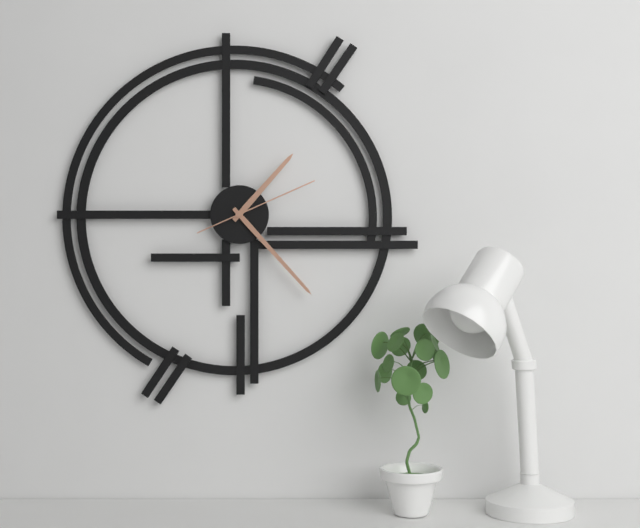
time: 1:23:11
